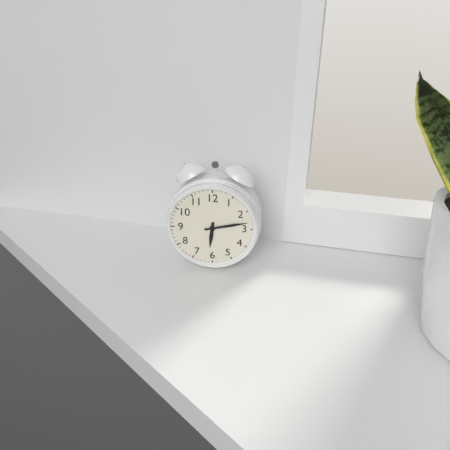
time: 6:13
